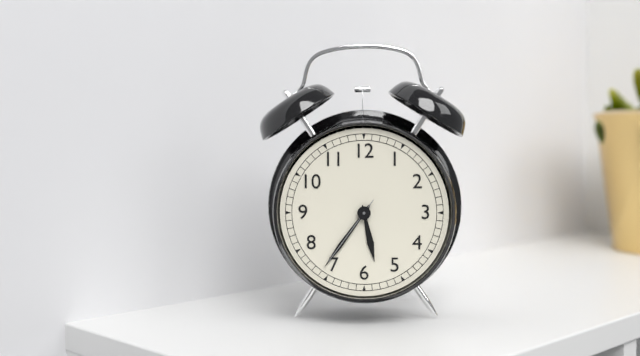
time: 5:36:36
